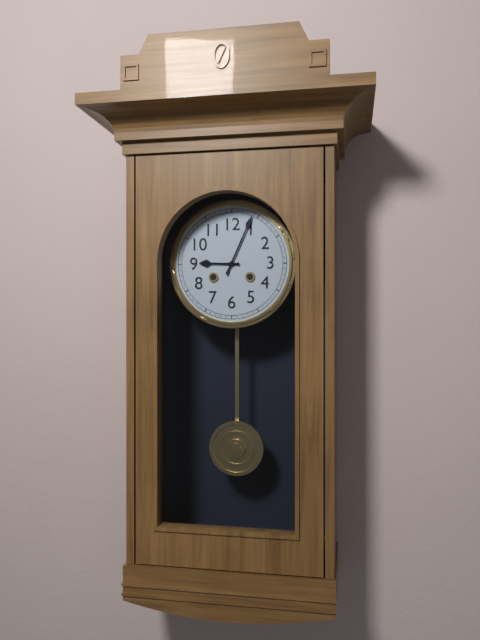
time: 9:04
